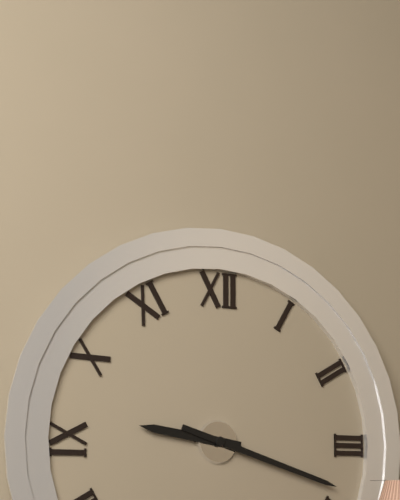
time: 9:18
